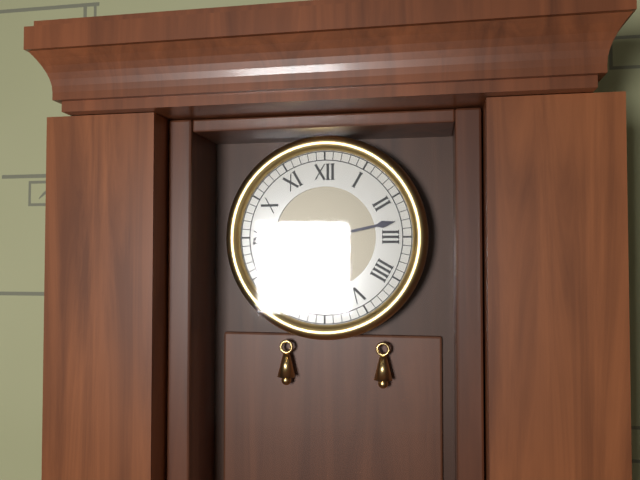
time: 7:13
